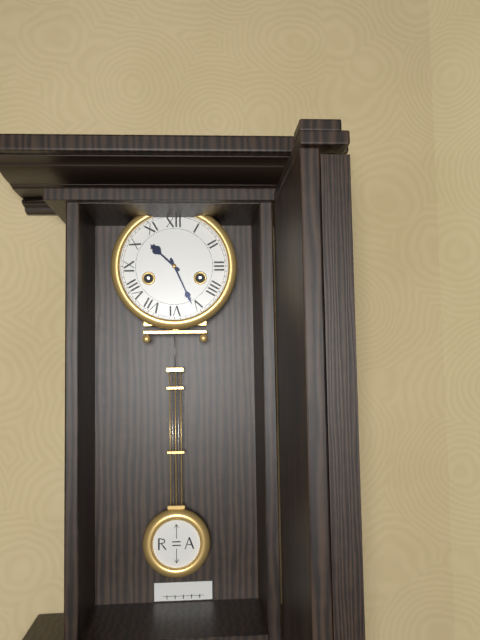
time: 10:26
